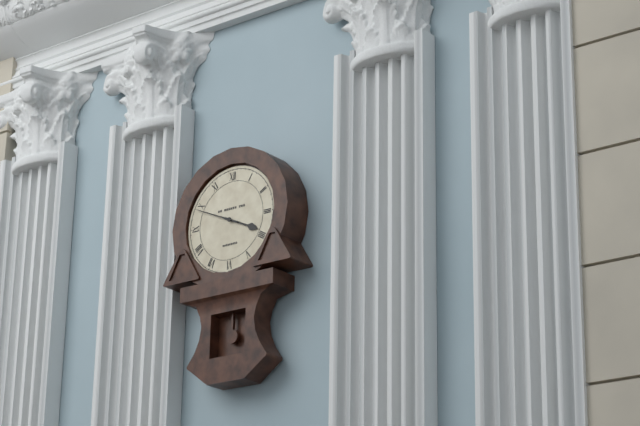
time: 3:49
